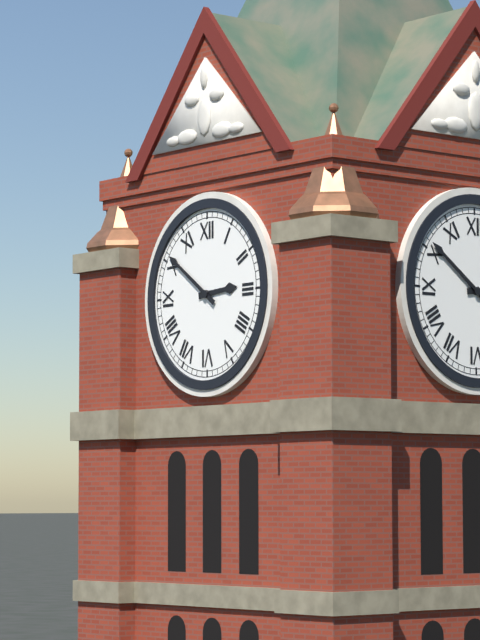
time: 2:51
